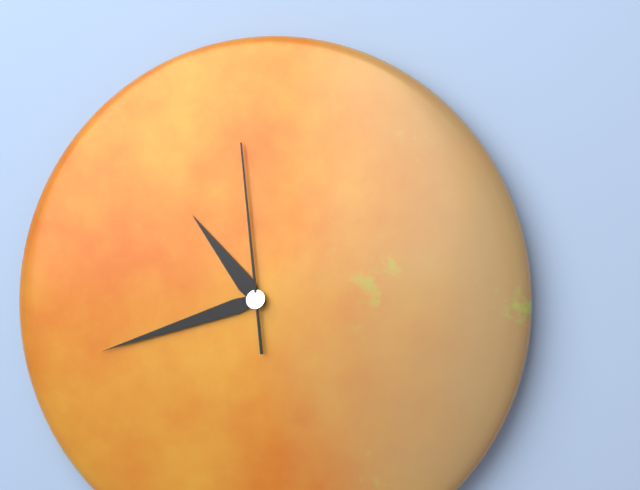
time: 10:42:59
